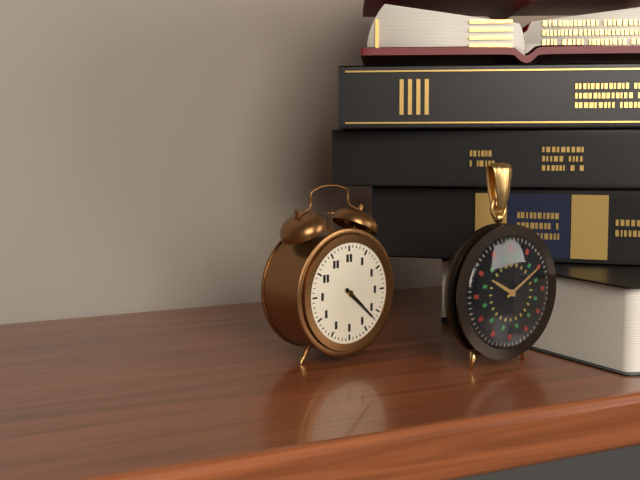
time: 4:22
